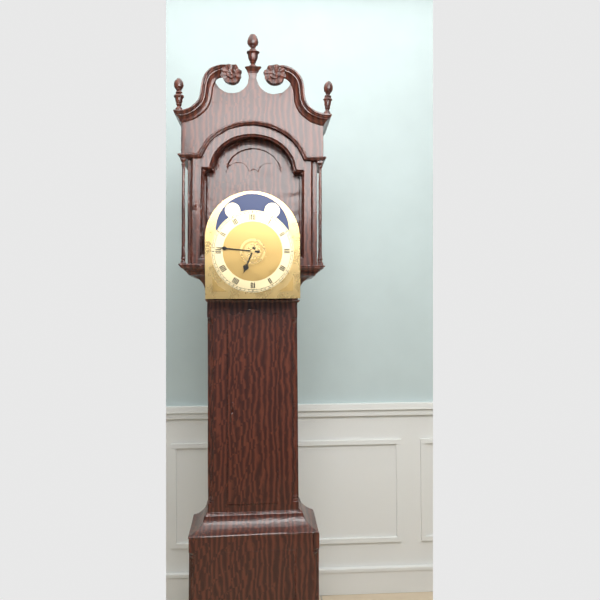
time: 6:46
